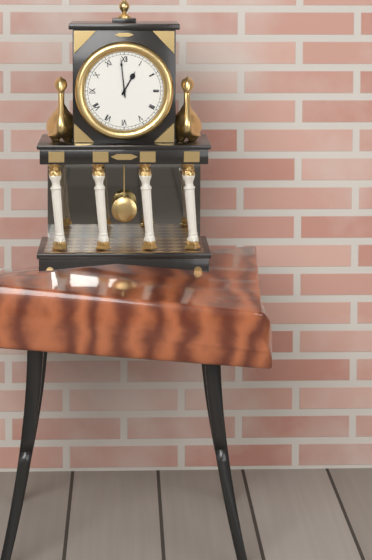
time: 12:59
